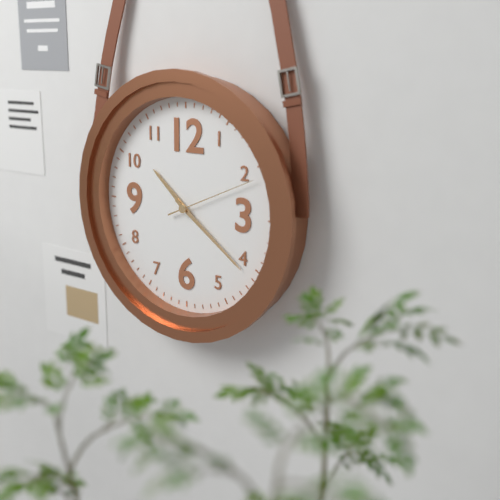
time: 10:21:11
